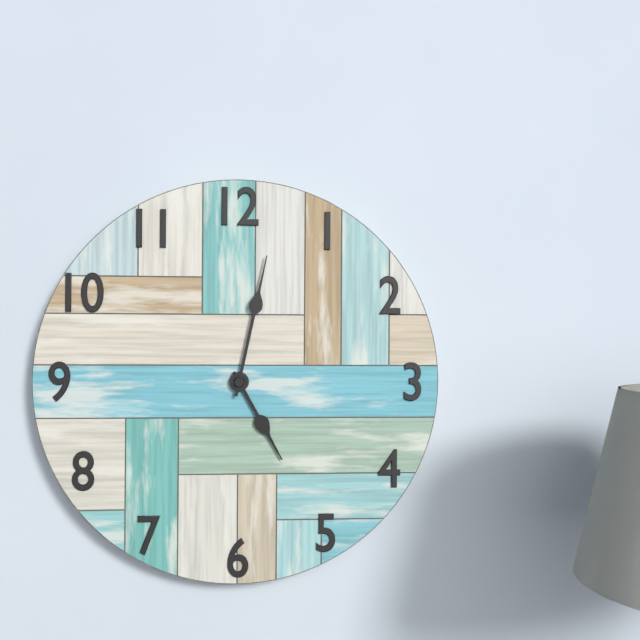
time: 5:02
